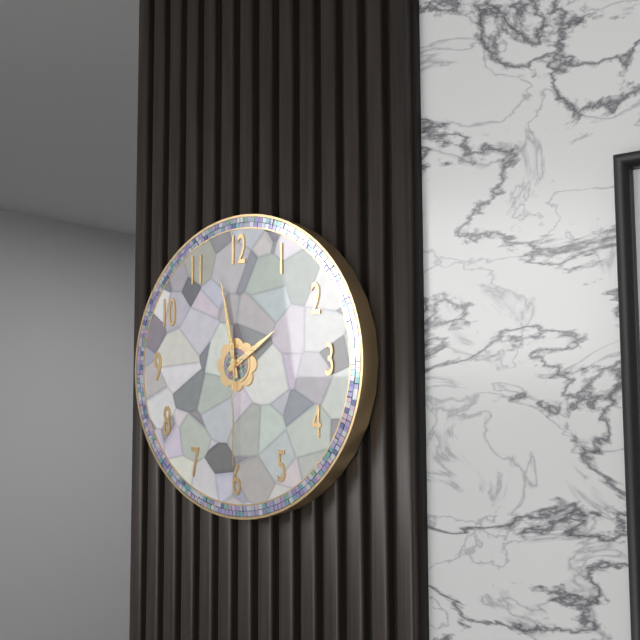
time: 1:58:30
